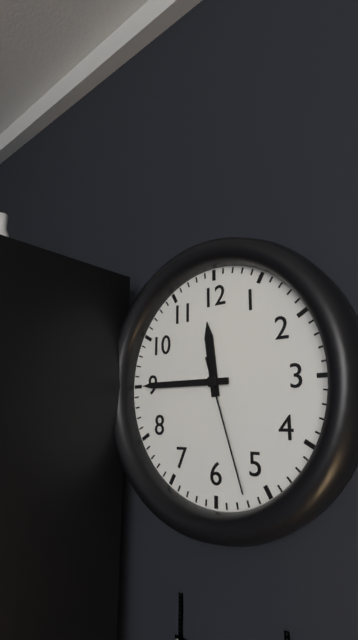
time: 11:45:27
